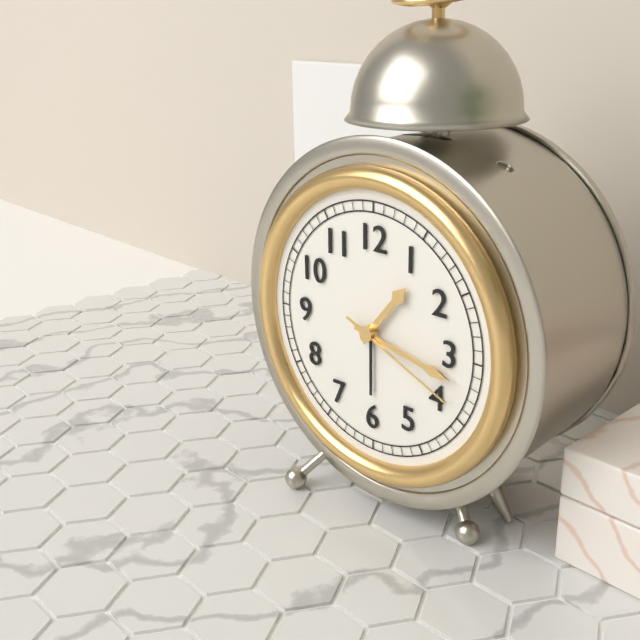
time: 1:17:19
